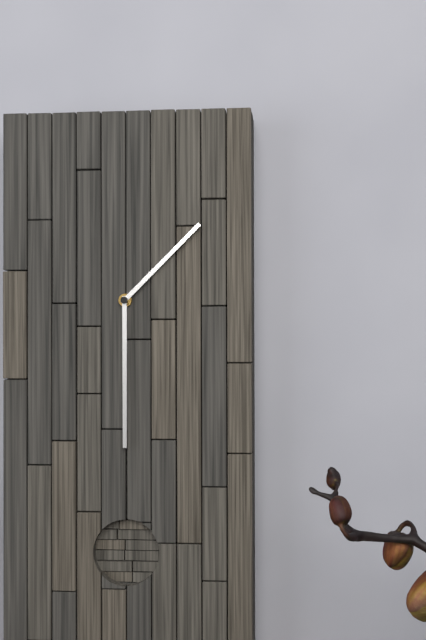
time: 1:30
